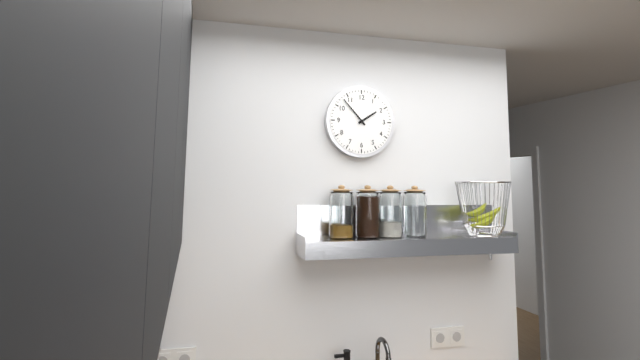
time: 1:53
